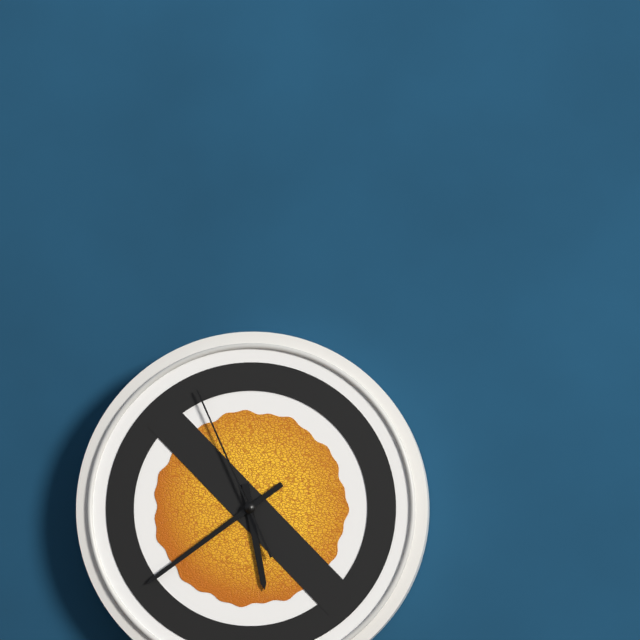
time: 5:39:56
